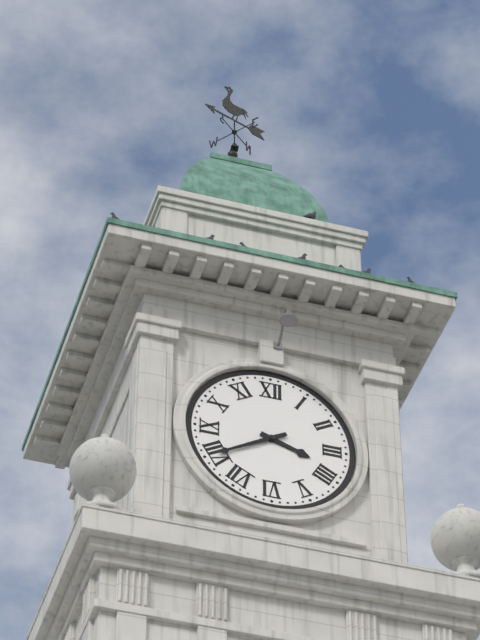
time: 3:40
